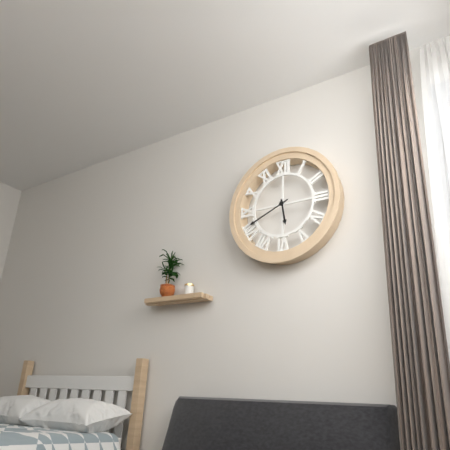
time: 5:41
